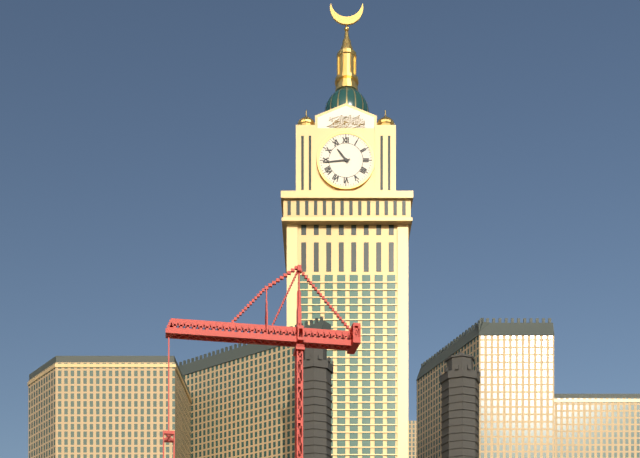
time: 10:44
